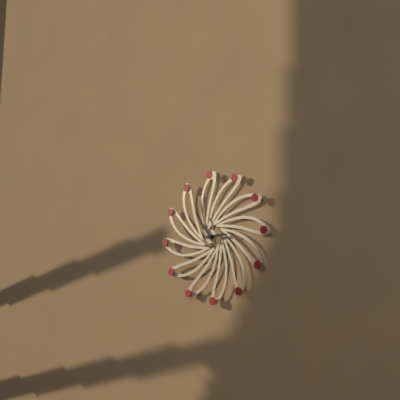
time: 2:54
